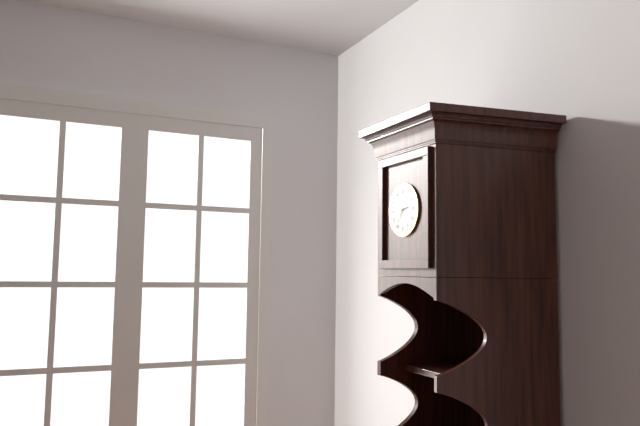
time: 2:36
